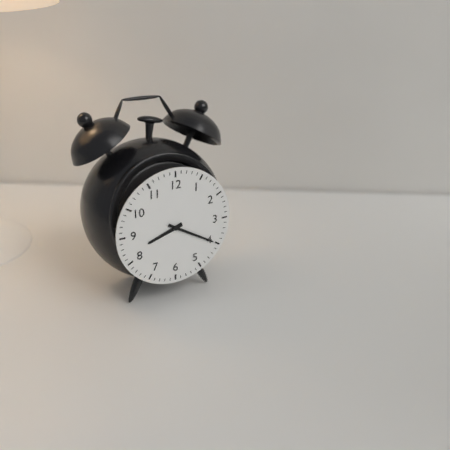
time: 8:20
